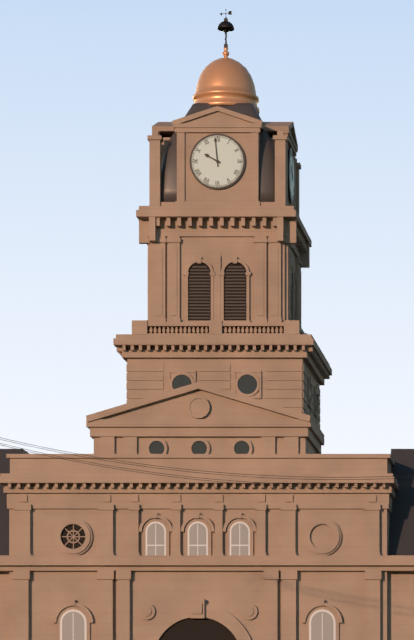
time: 9:59
